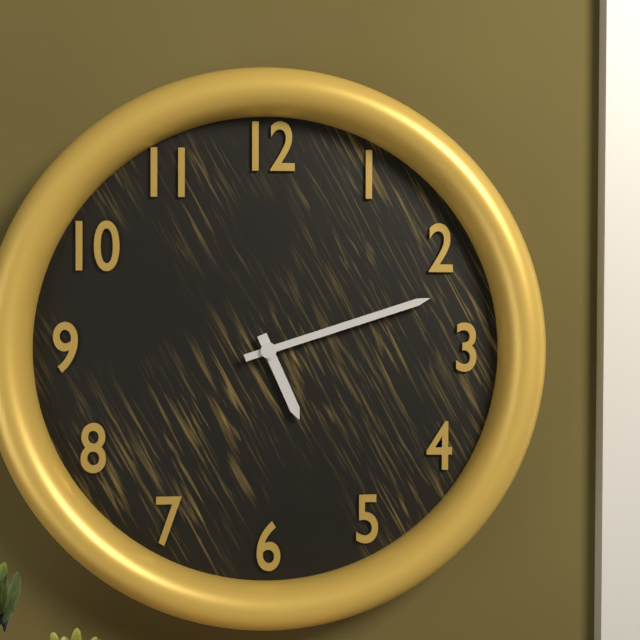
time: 5:12
